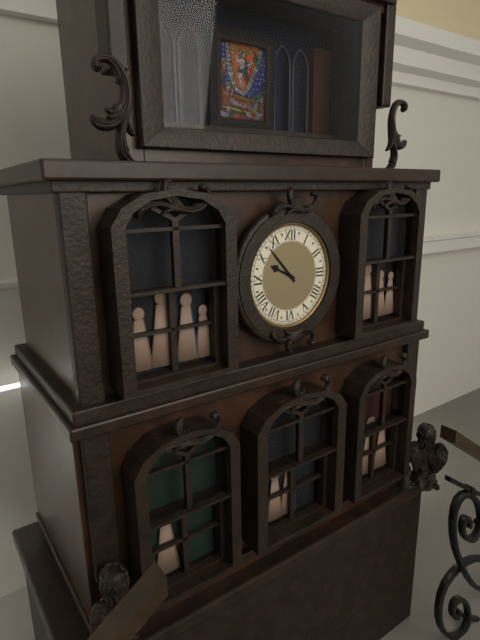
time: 9:53
